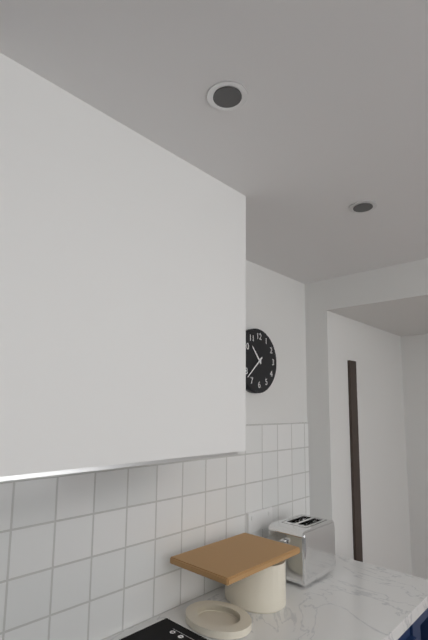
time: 10:38
